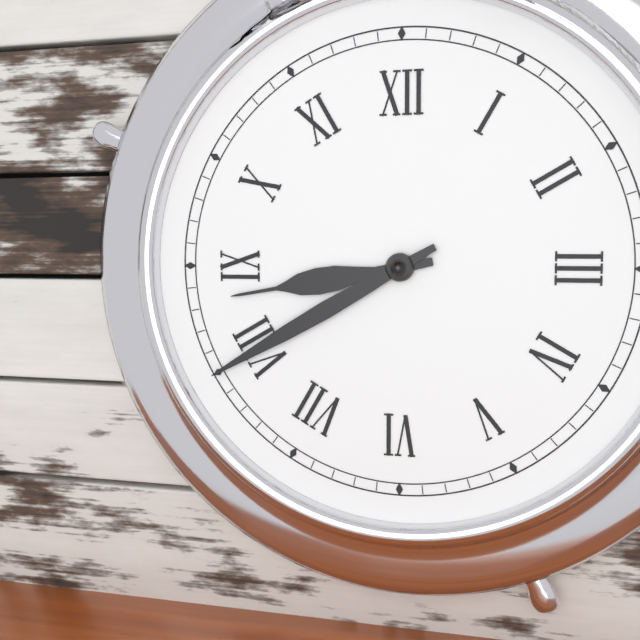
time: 8:40
